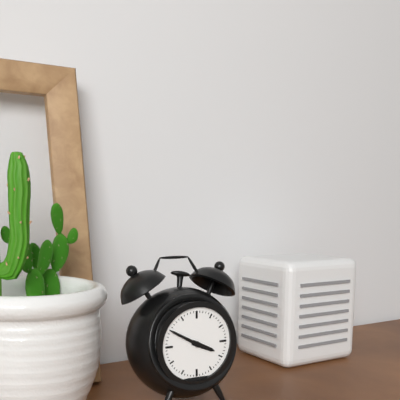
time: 3:50
